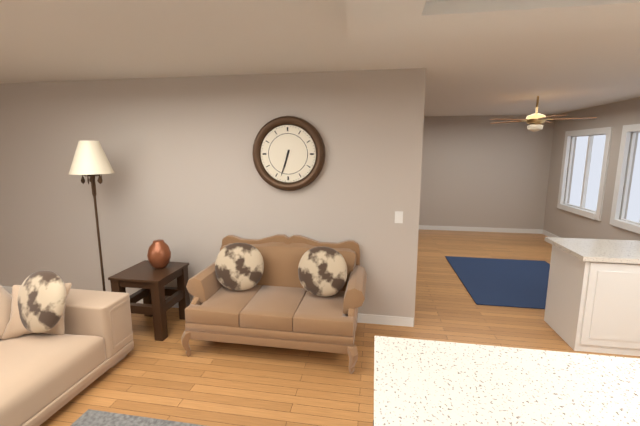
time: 6:33
